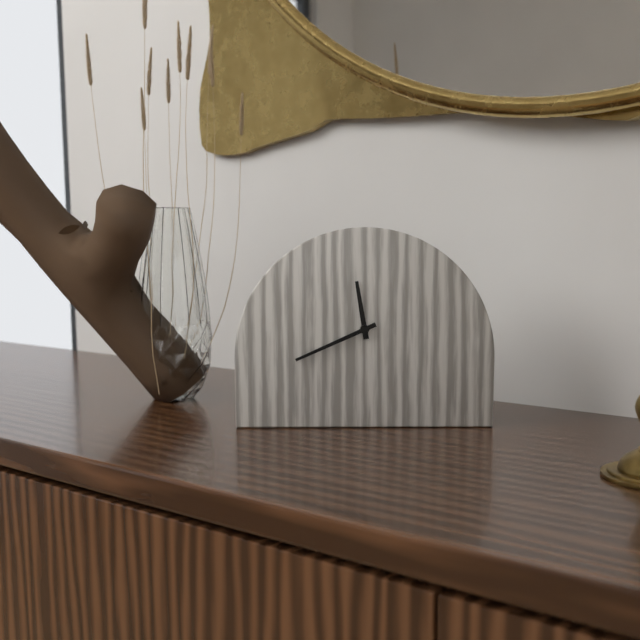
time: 11:41
